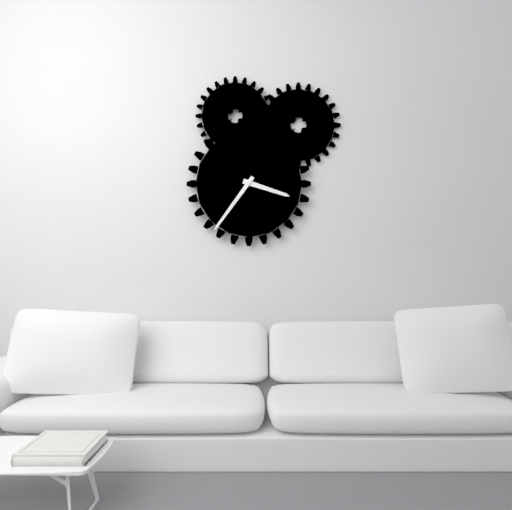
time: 3:36
